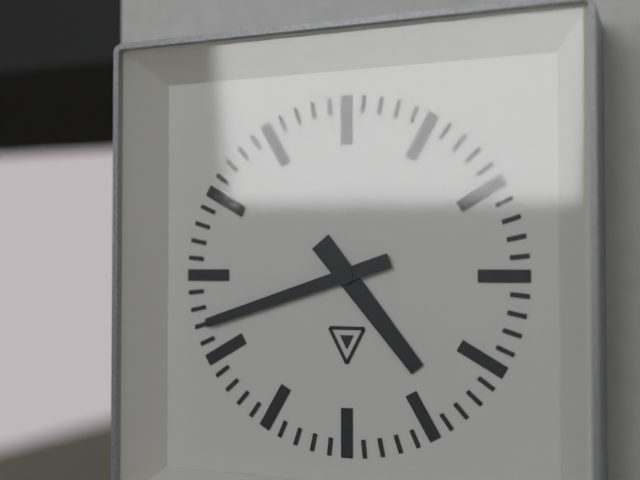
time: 4:42
